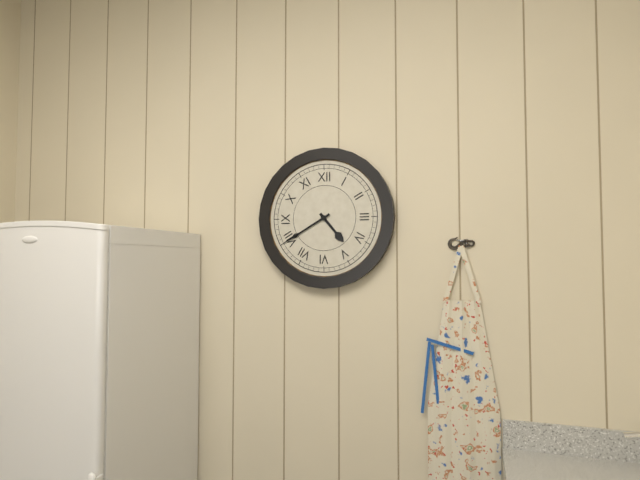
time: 4:40
